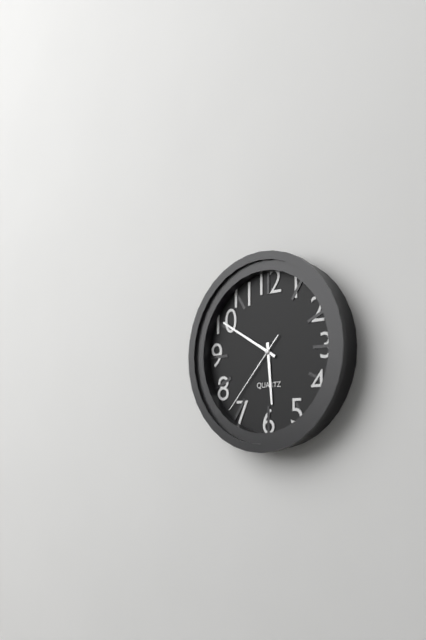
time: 5:50:37
